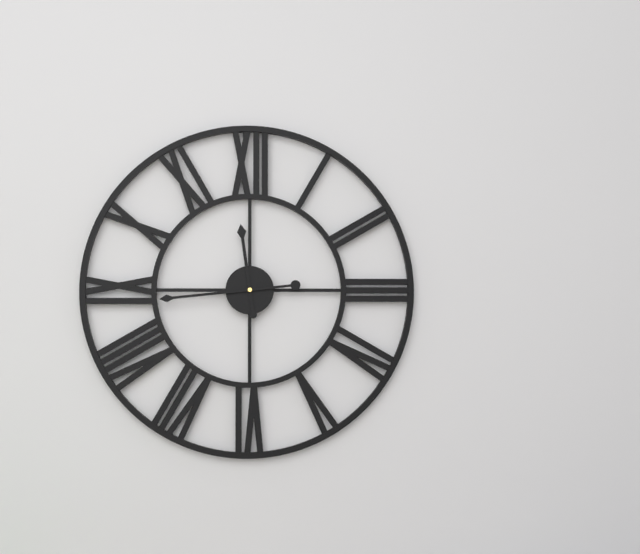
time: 11:44
